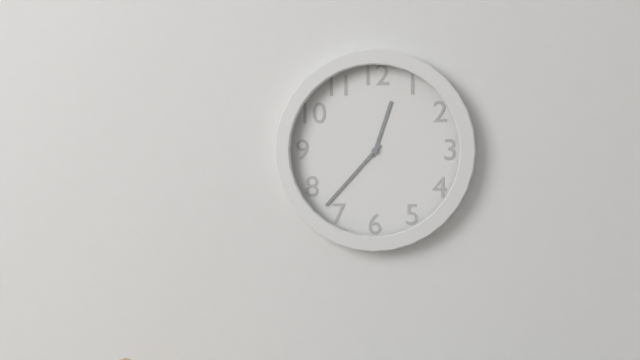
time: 12:37
